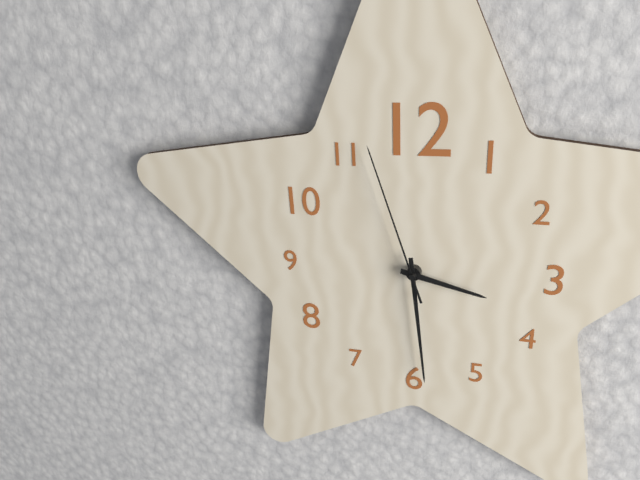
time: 3:29:57
